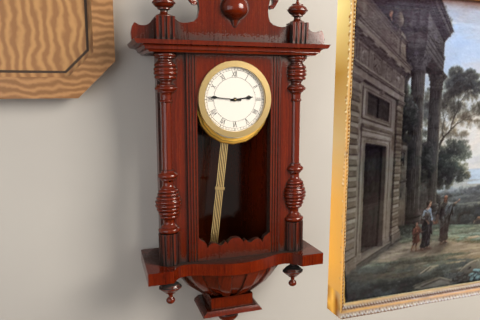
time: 2:46
